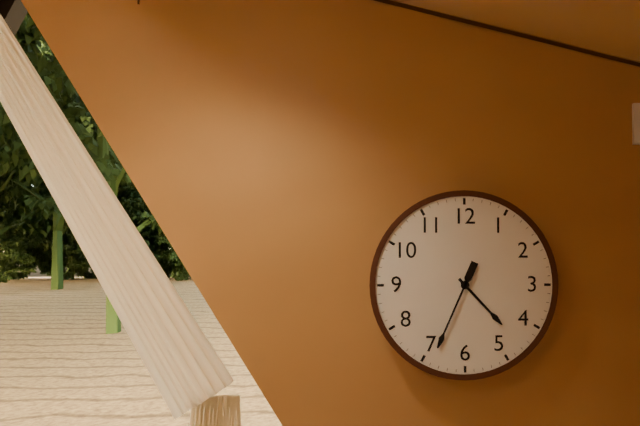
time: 4:34
